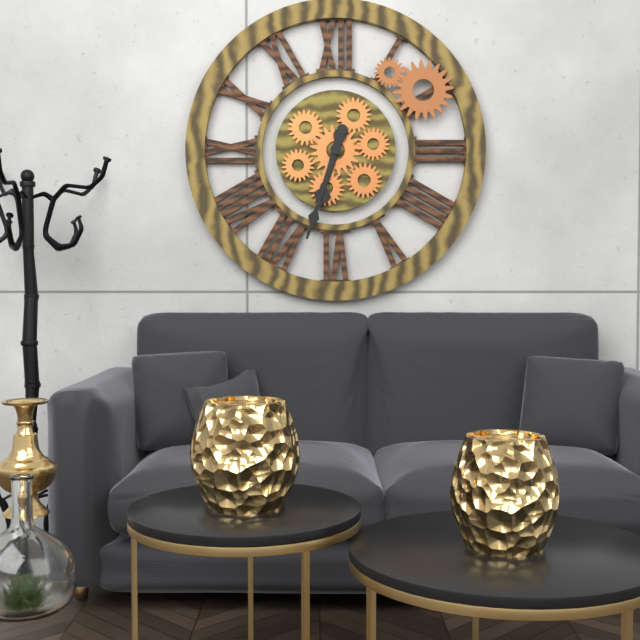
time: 6:33
